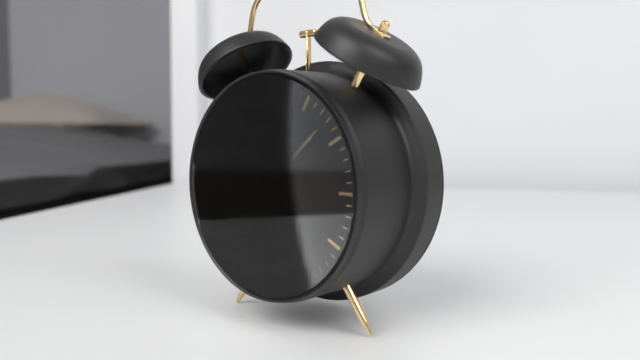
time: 5:08:49
